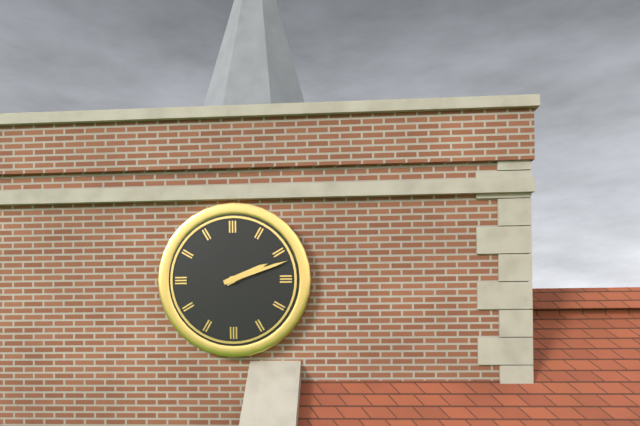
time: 2:12
